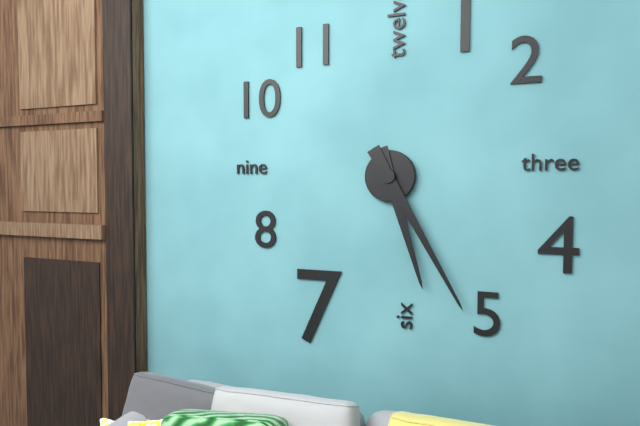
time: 5:25
